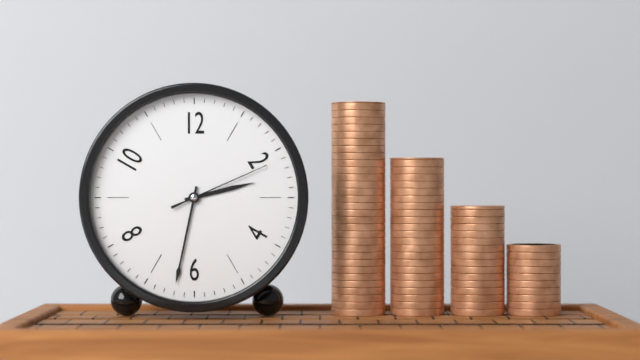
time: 2:32:11
